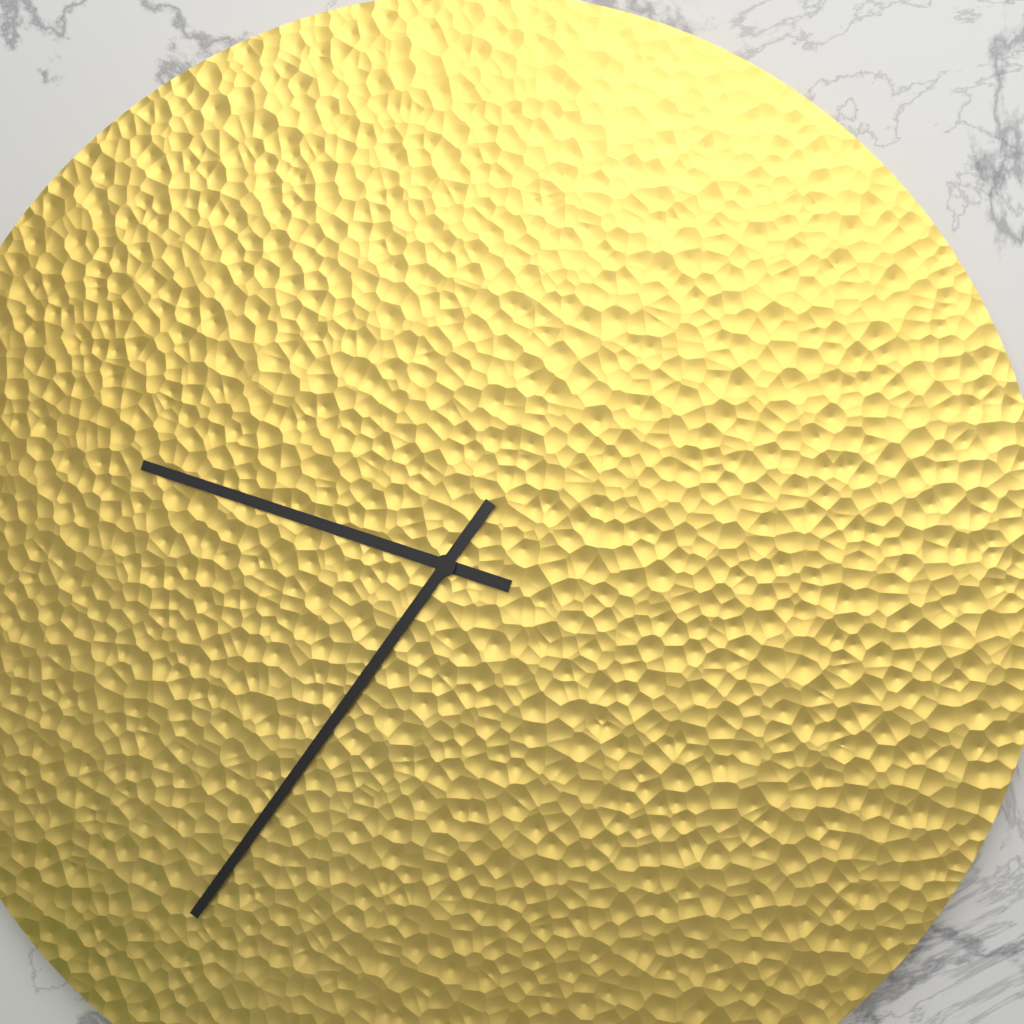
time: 9:36
